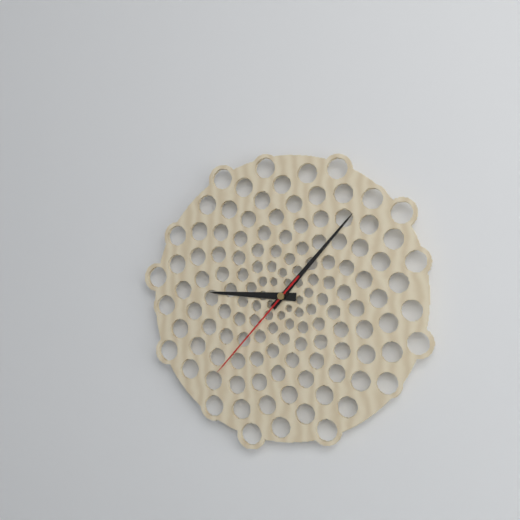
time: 9:07:37
